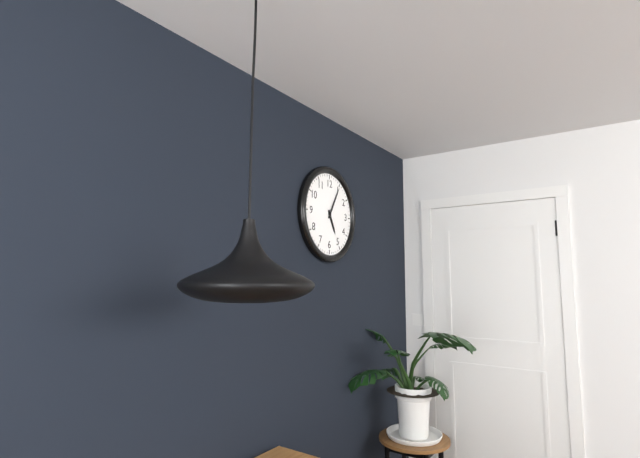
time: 5:05
